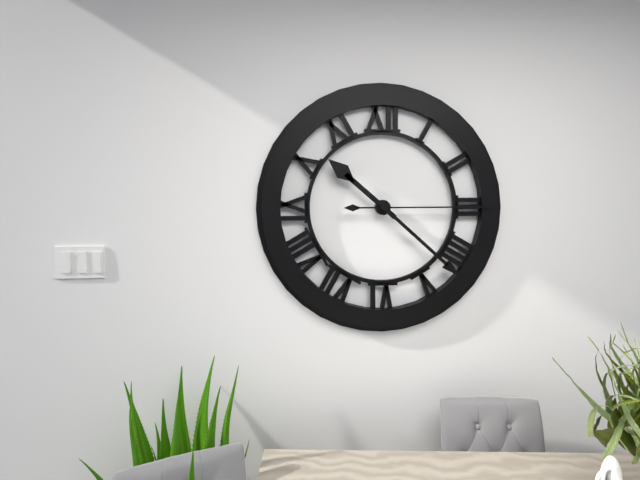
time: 10:22:15
